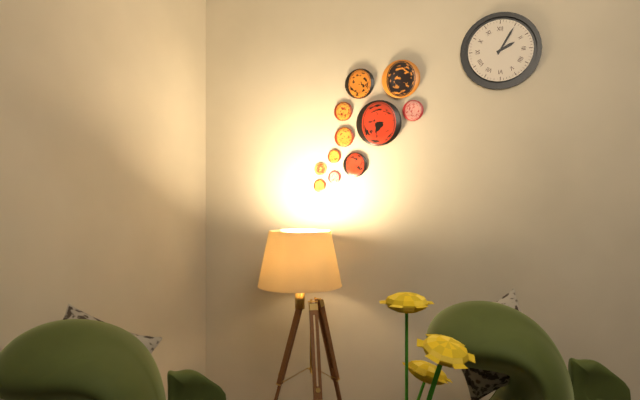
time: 2:05
